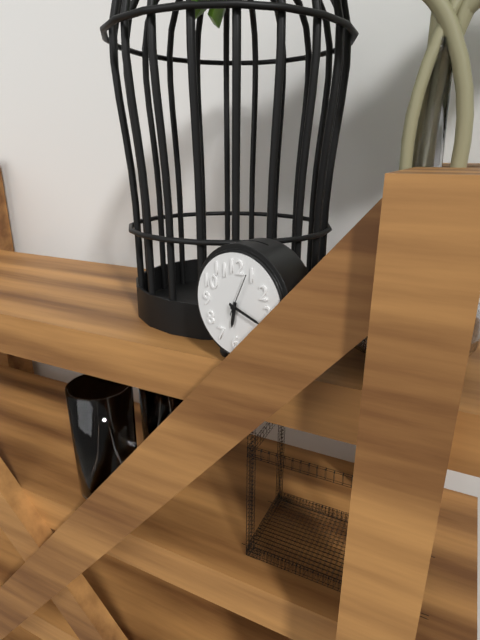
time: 6:18
